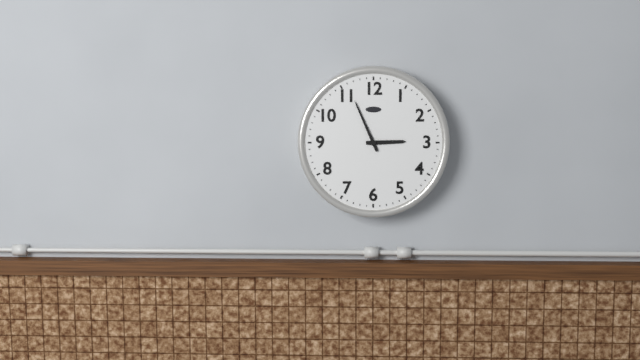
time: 2:56
